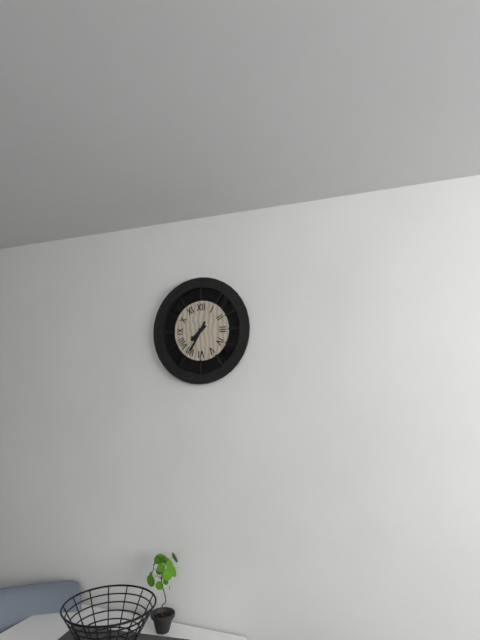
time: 7:35
